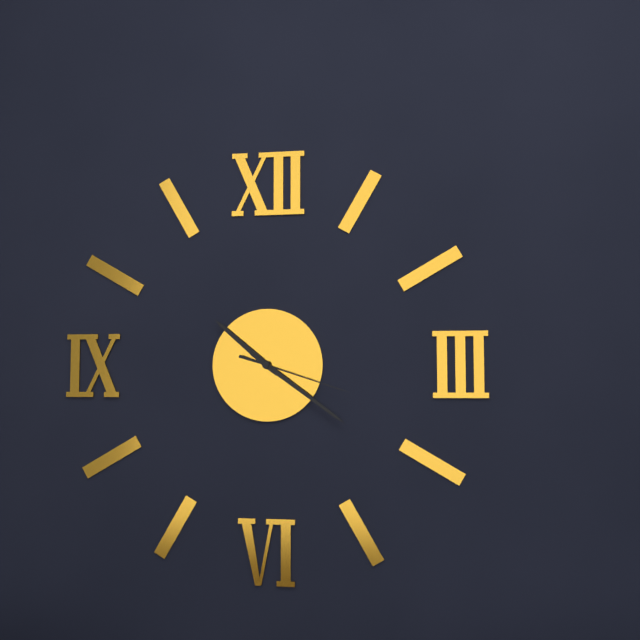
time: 10:21:18
